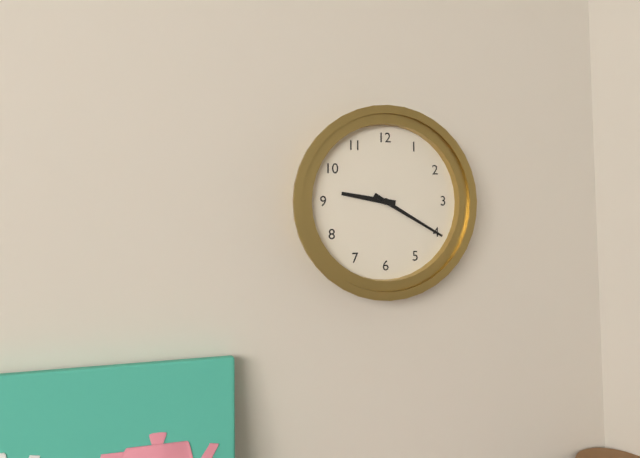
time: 9:20
